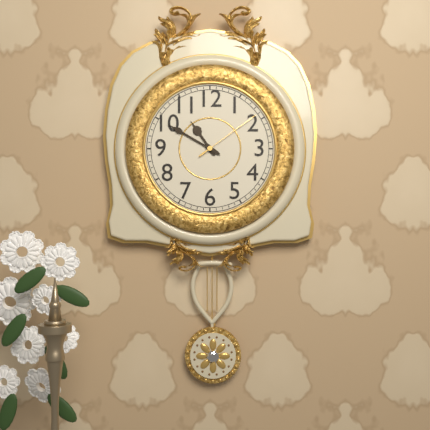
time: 10:50:09
